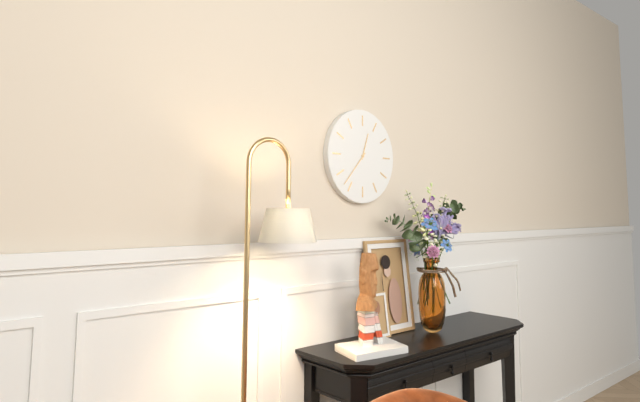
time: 12:37
